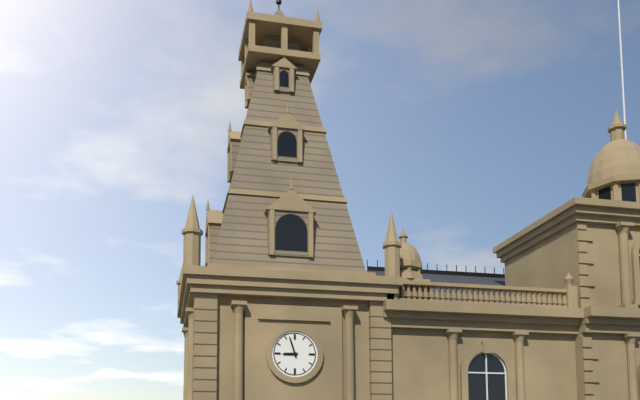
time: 8:57
